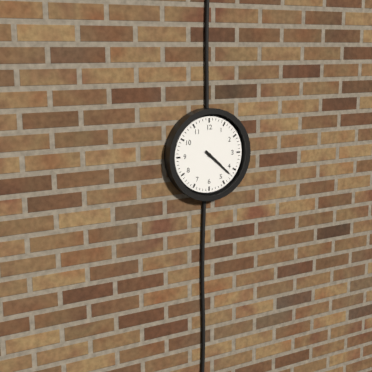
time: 4:22
